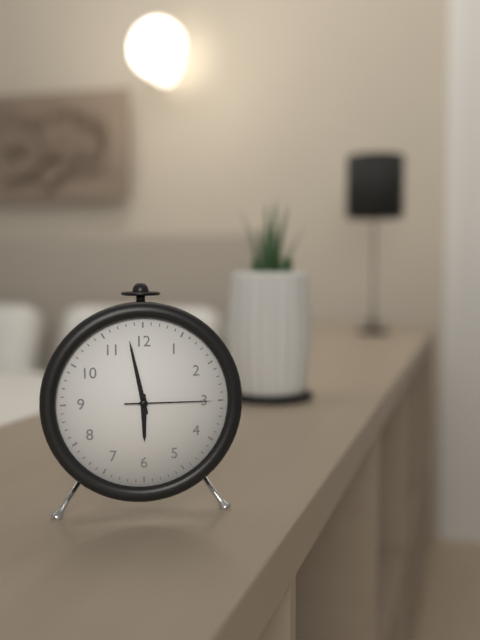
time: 5:58:15
